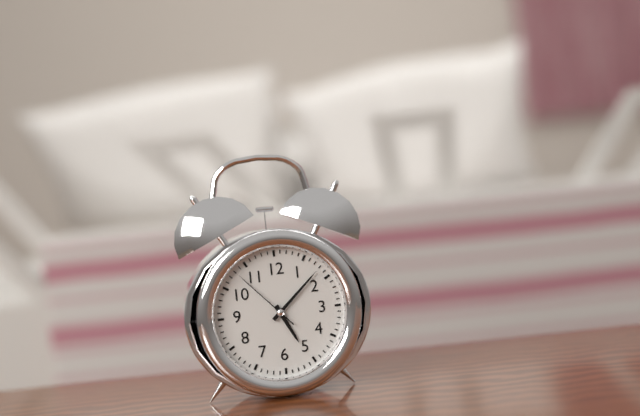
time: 5:08:53
